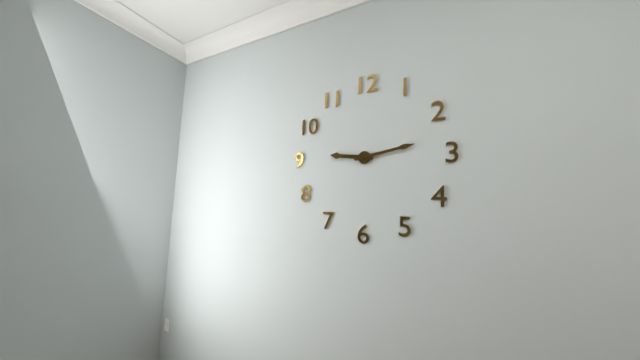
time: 9:13
